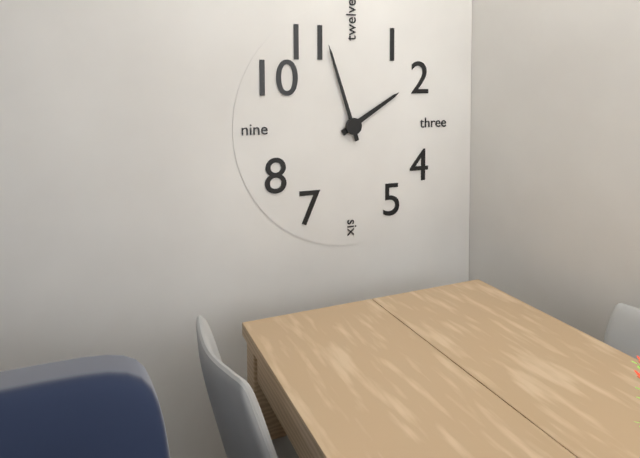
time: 1:57
